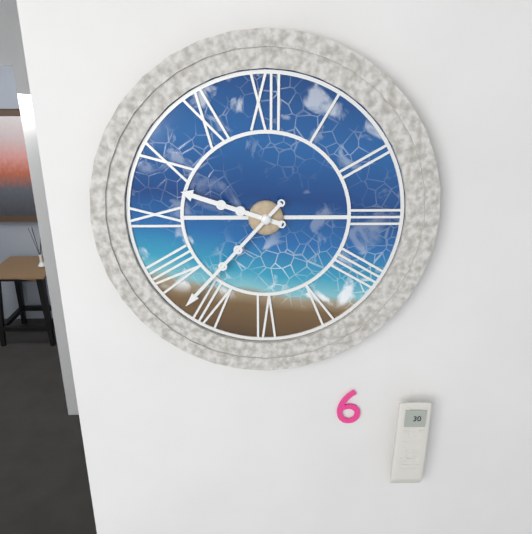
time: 9:37
